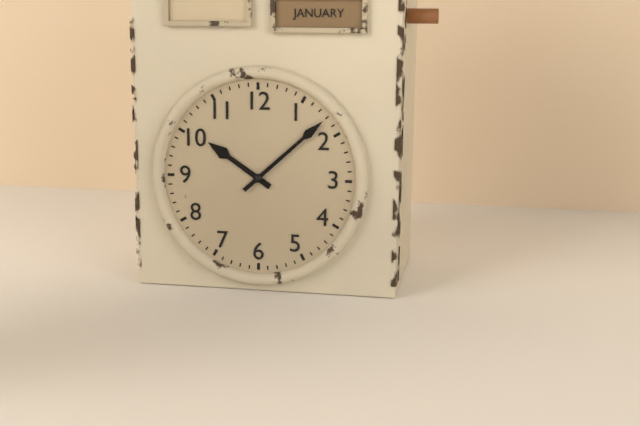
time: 10:08
